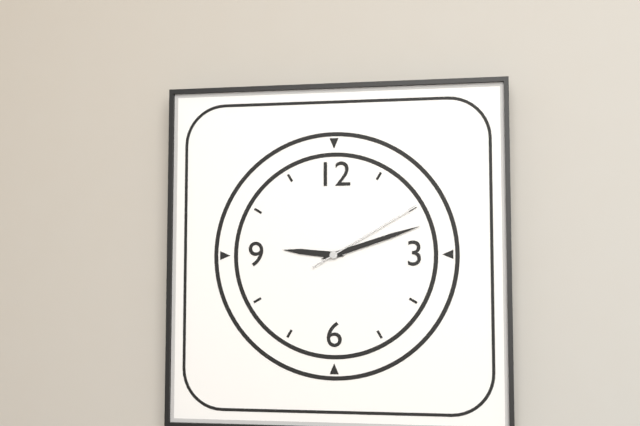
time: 9:12:10
